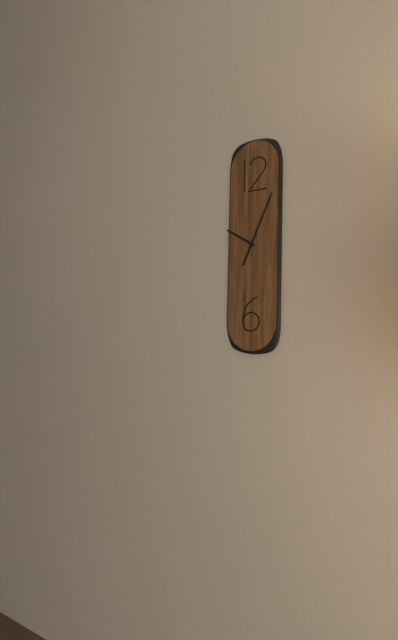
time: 10:04
